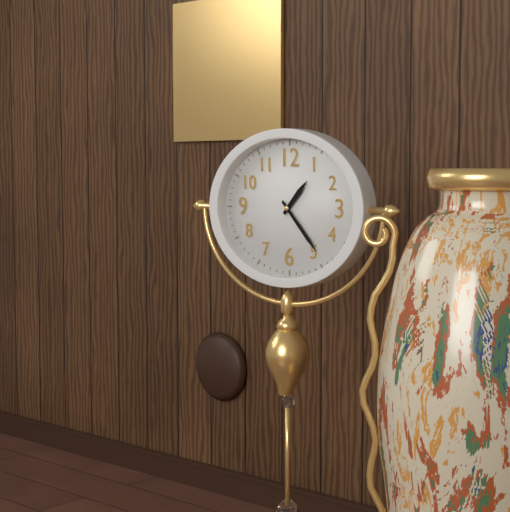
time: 1:23
